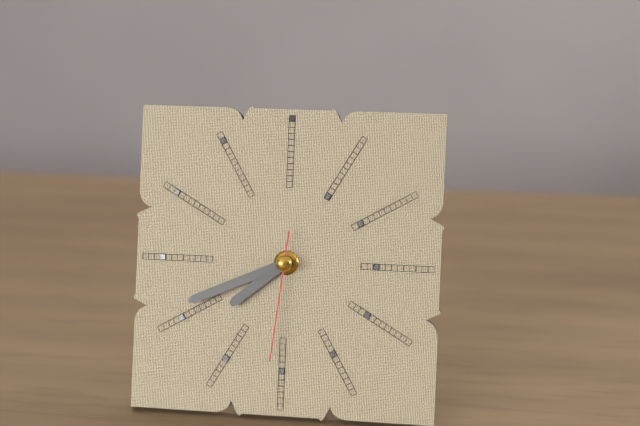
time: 7:41:31
